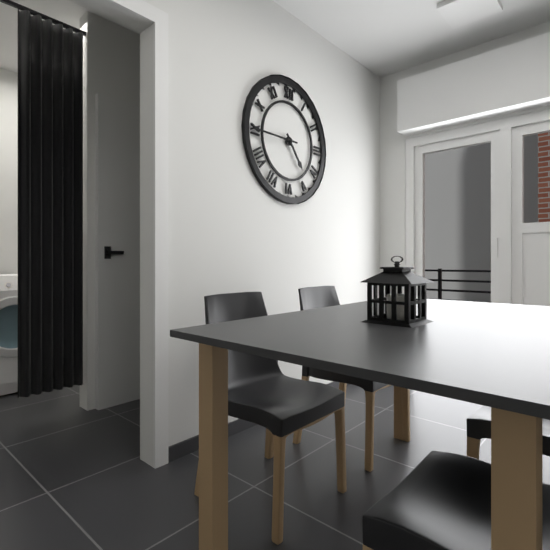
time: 4:45
